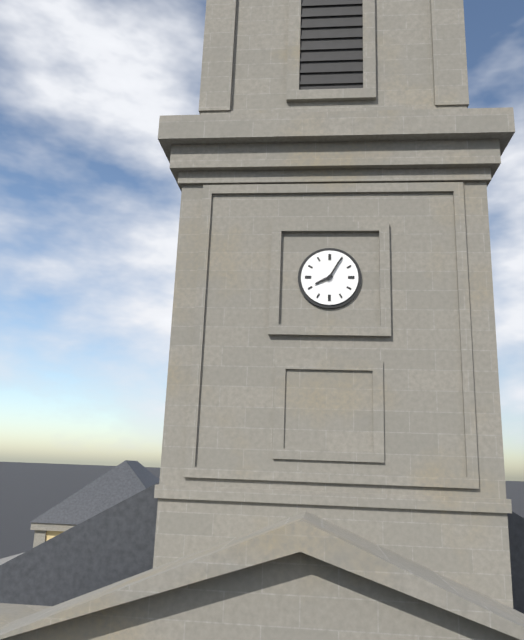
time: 8:05
